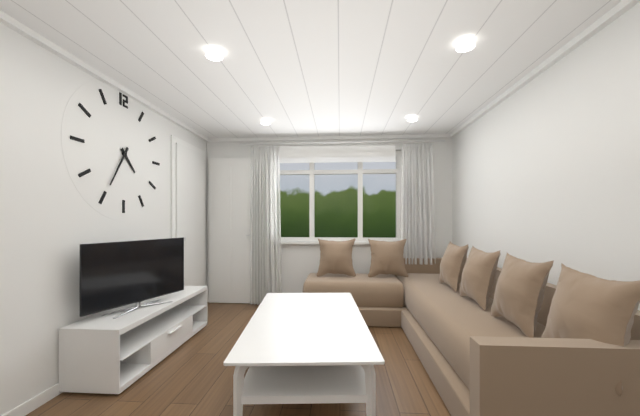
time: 4:35
